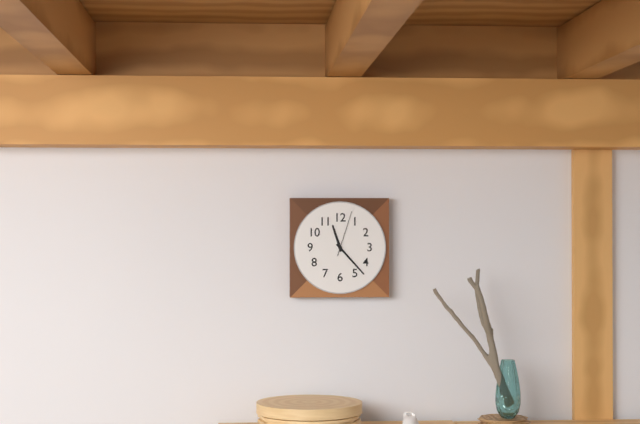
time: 11:23
